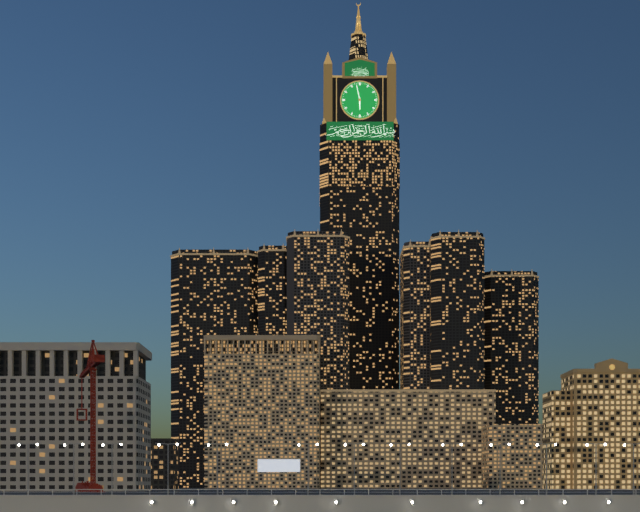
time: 5:58
